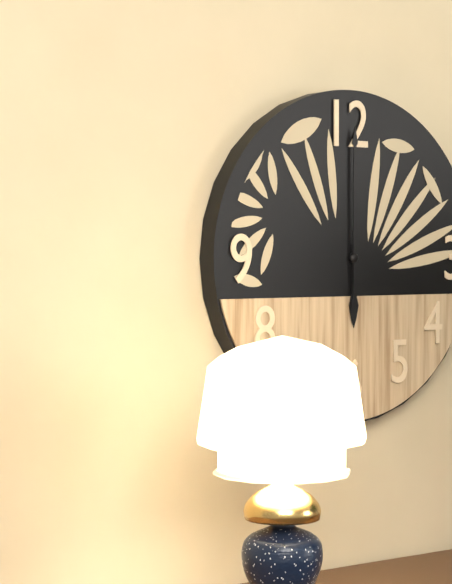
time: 6:00
